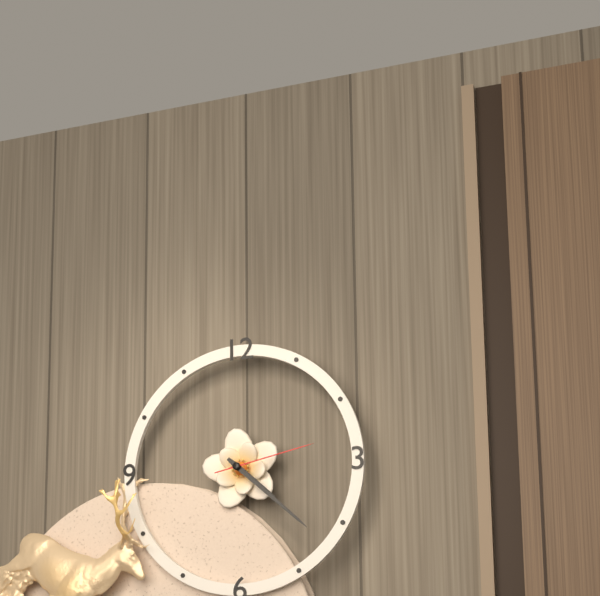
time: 4:22:13
